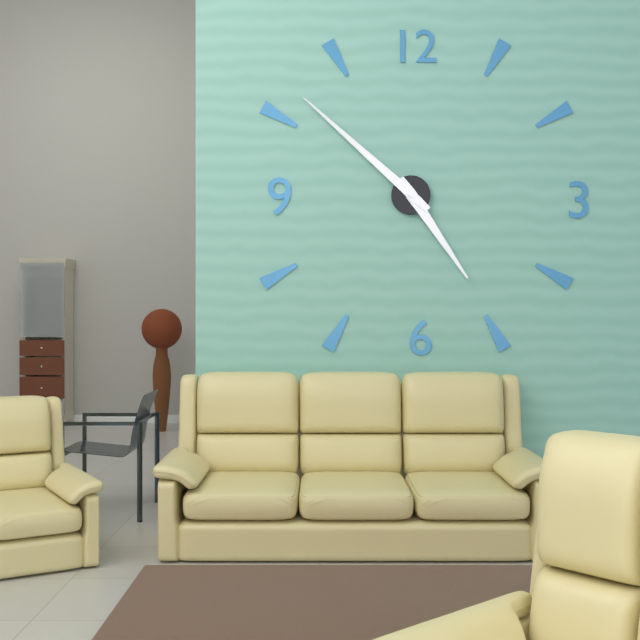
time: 4:52
